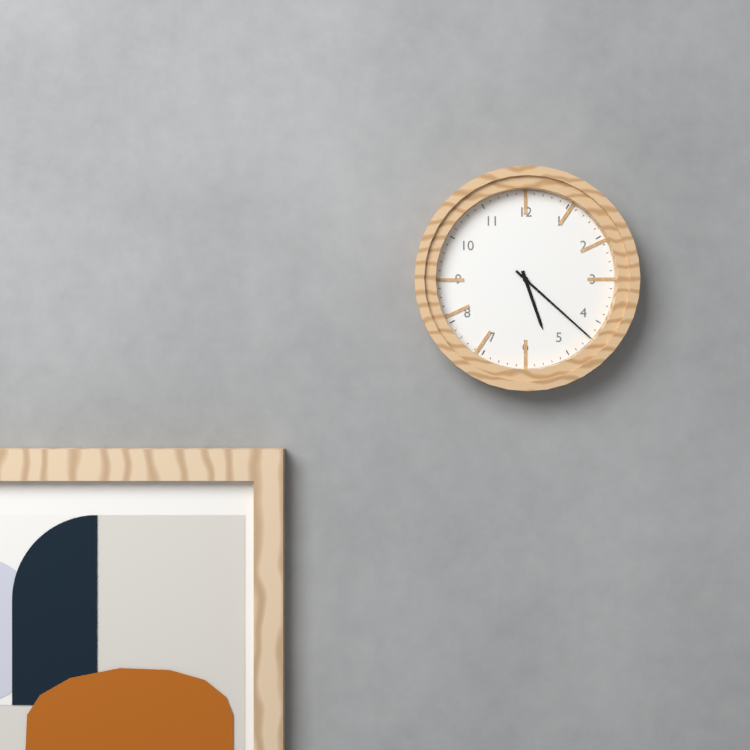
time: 5:22
